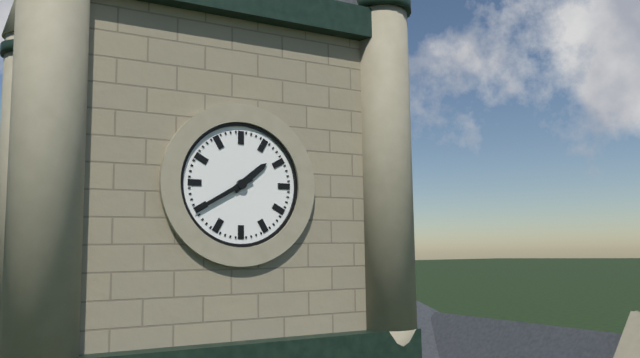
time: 1:40
